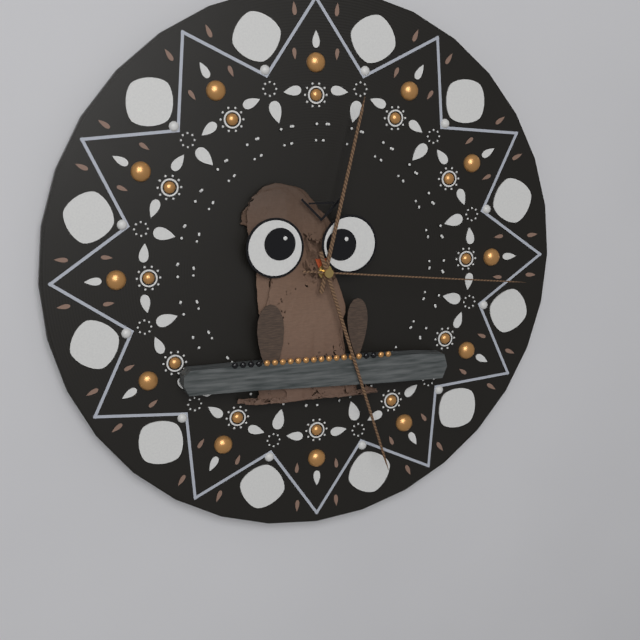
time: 12:27:16
